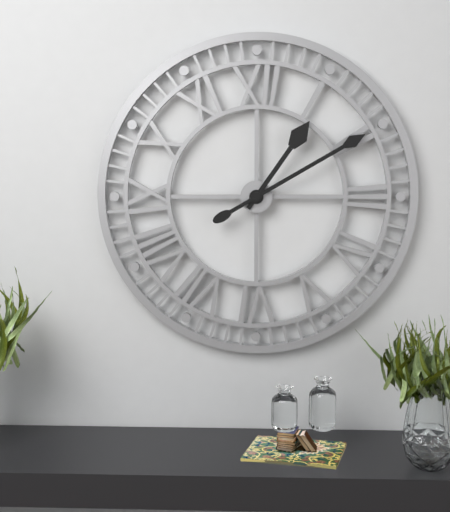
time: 1:10
